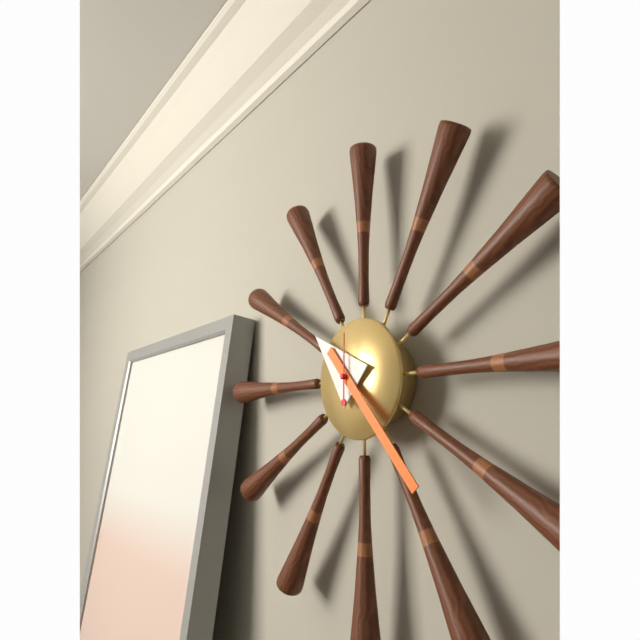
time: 10:23:00
